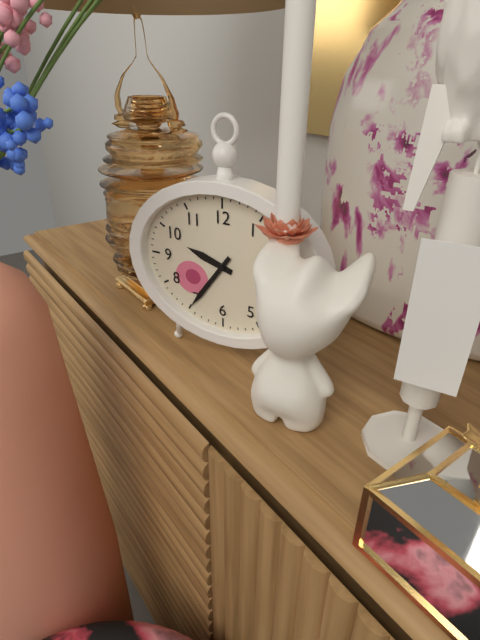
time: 9:36
